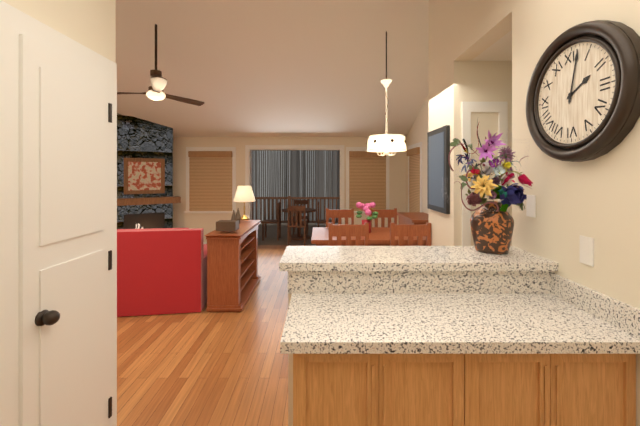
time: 2:02
